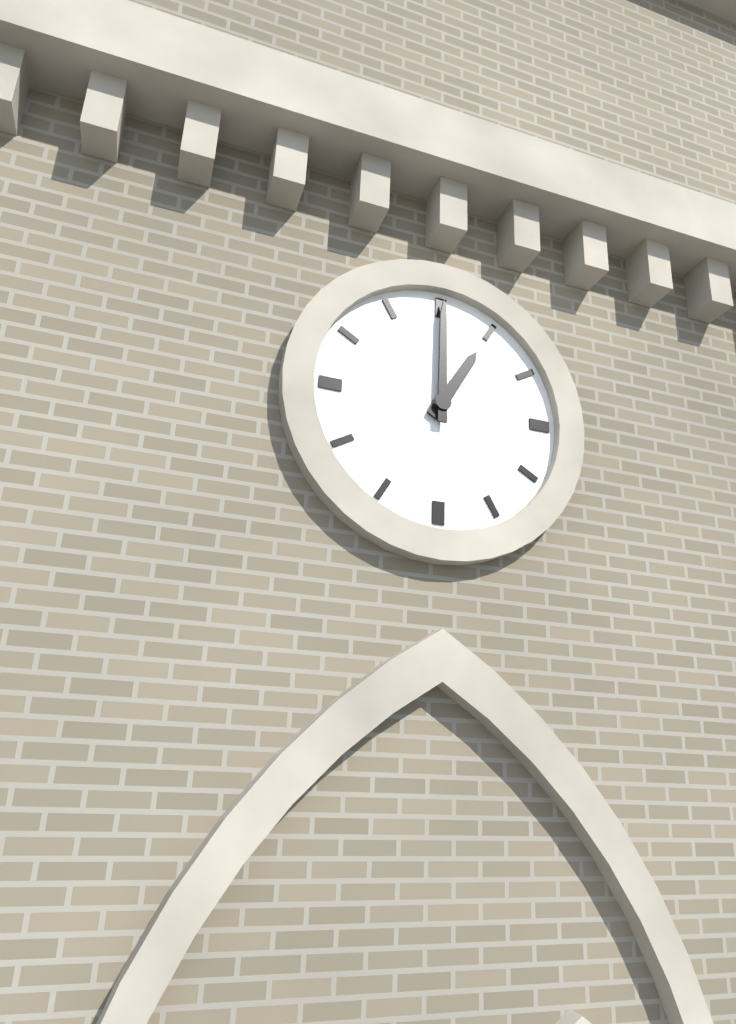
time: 1:00
